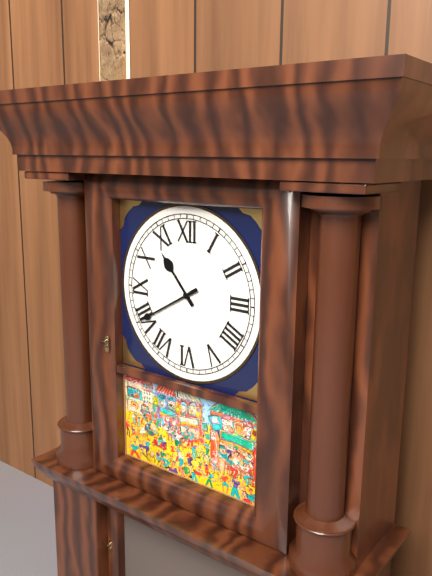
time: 10:40
